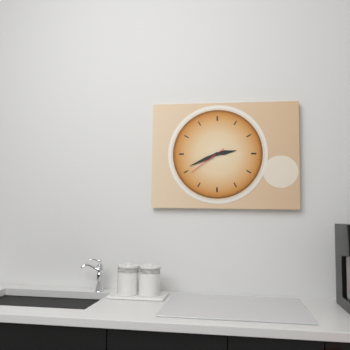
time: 2:41
